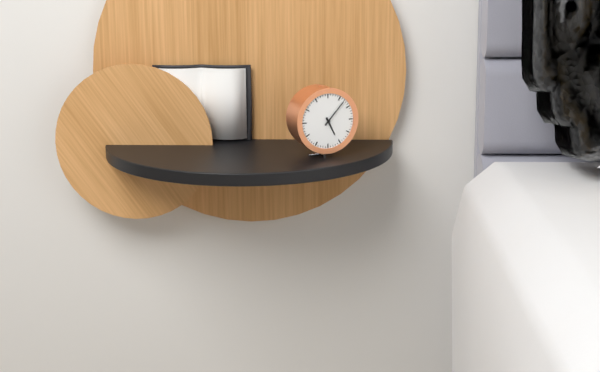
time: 5:07
